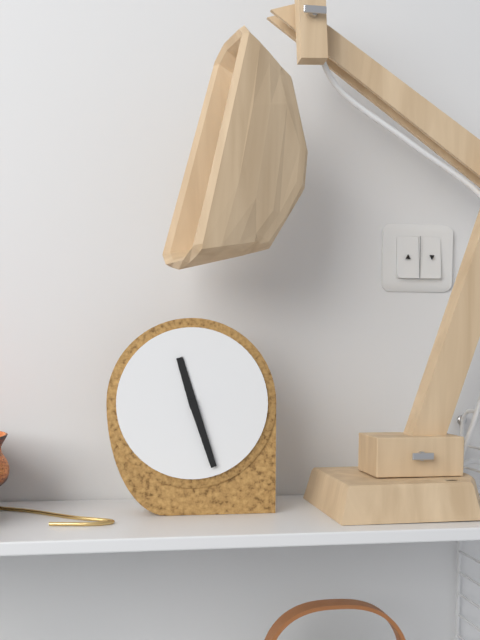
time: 11:27
